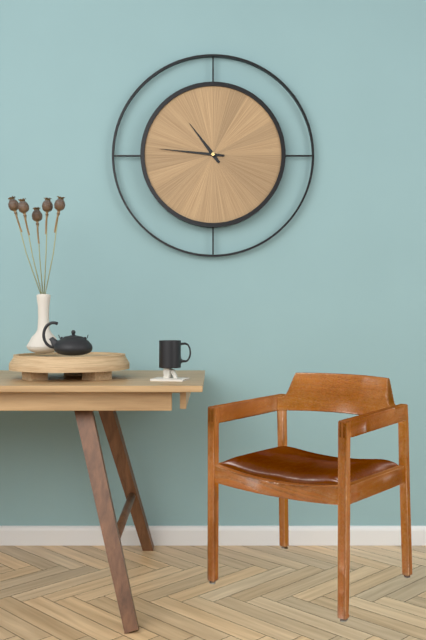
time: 10:46
